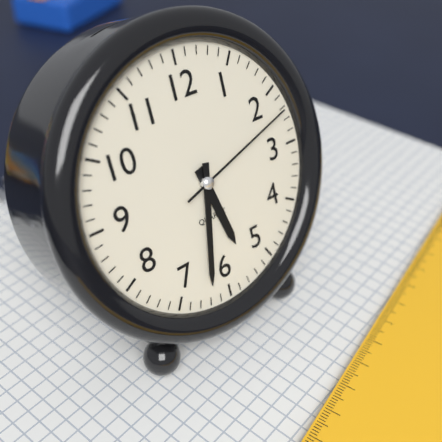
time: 5:32:12
